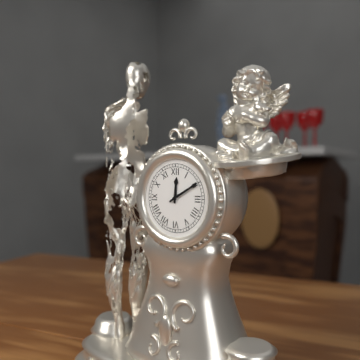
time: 12:10
